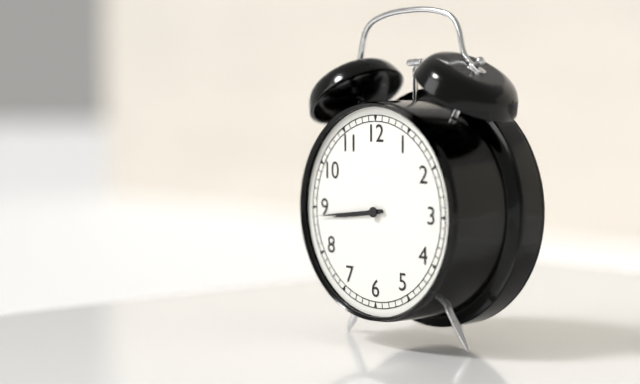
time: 8:44
